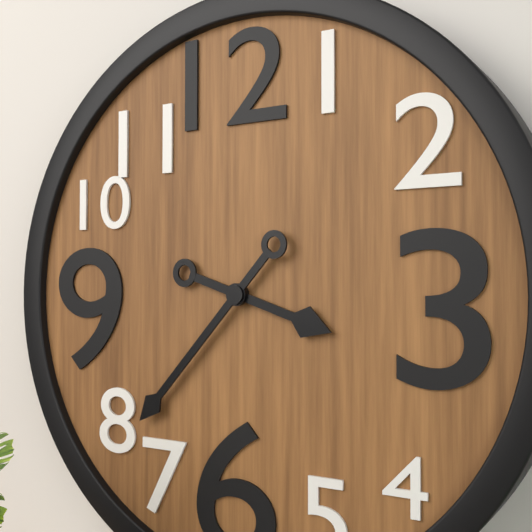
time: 3:37
